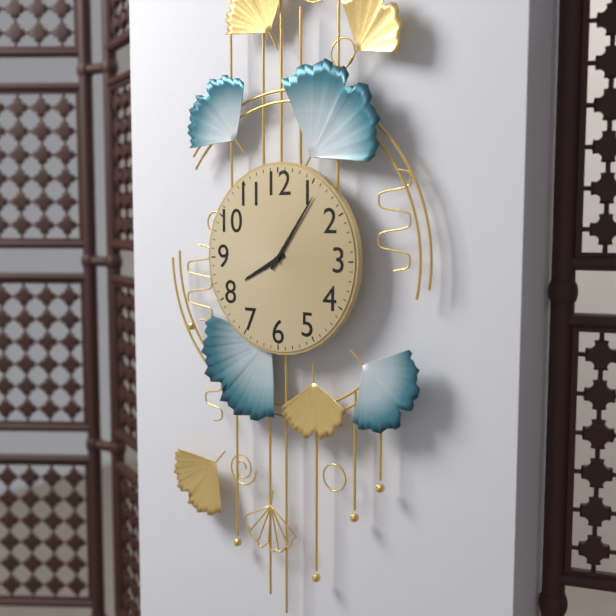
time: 8:06
